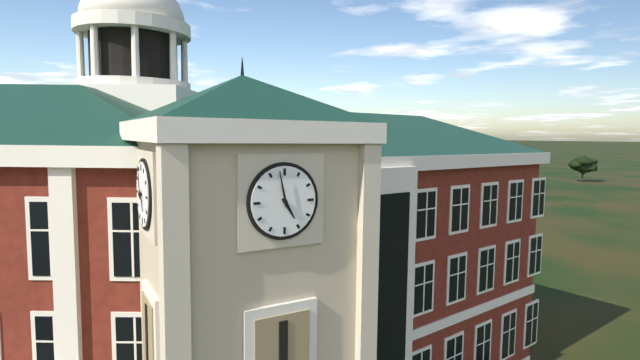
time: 4:58
